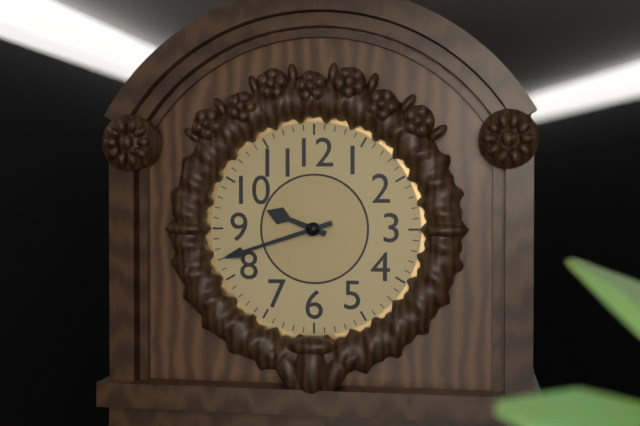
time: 9:42
